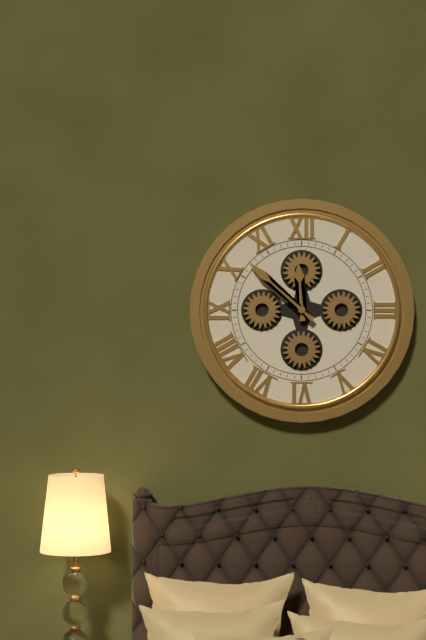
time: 11:52
